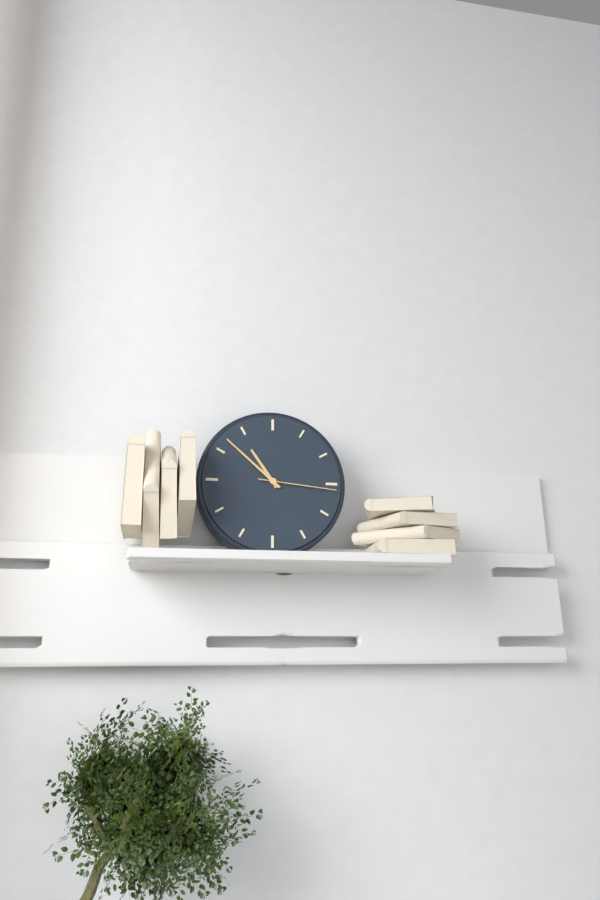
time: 10:52:16
